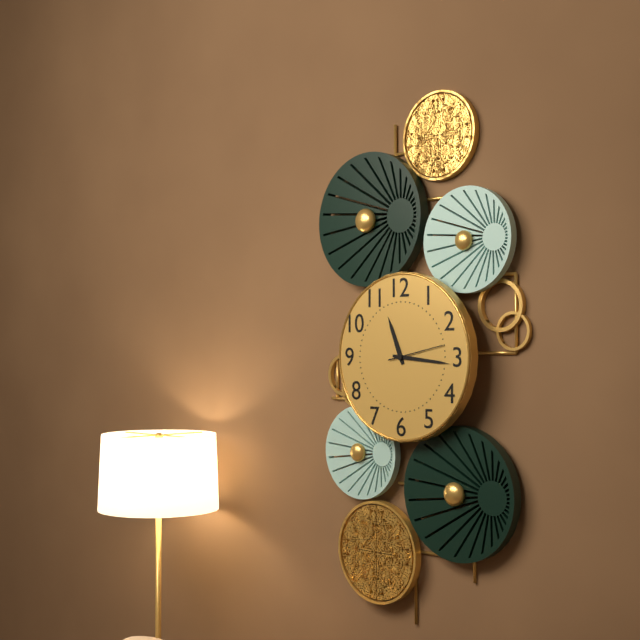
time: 11:16:13
